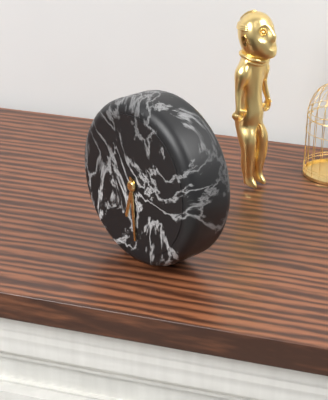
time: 6:29
